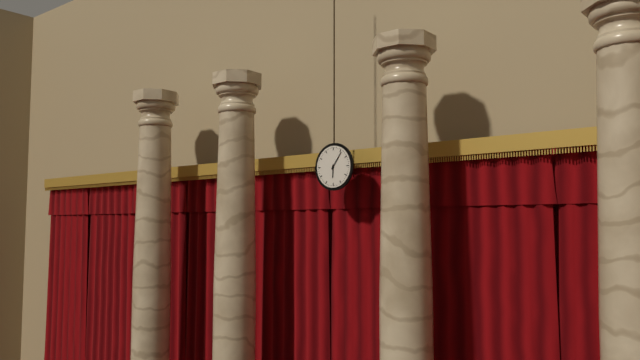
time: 6:06
